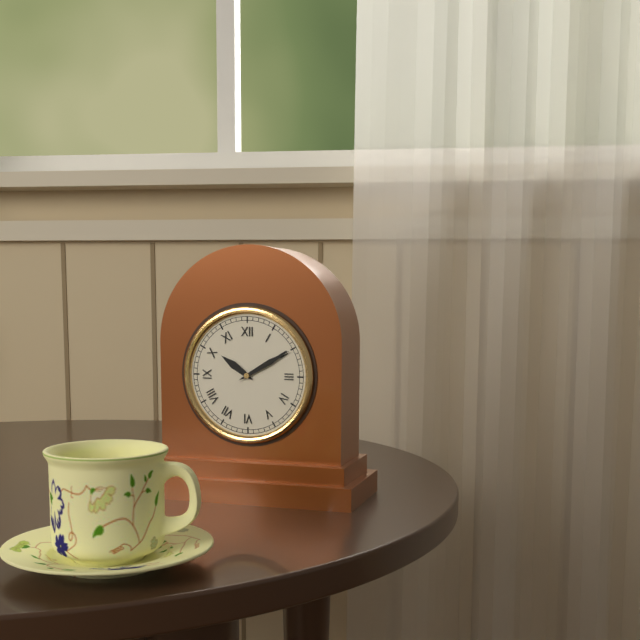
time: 10:10
